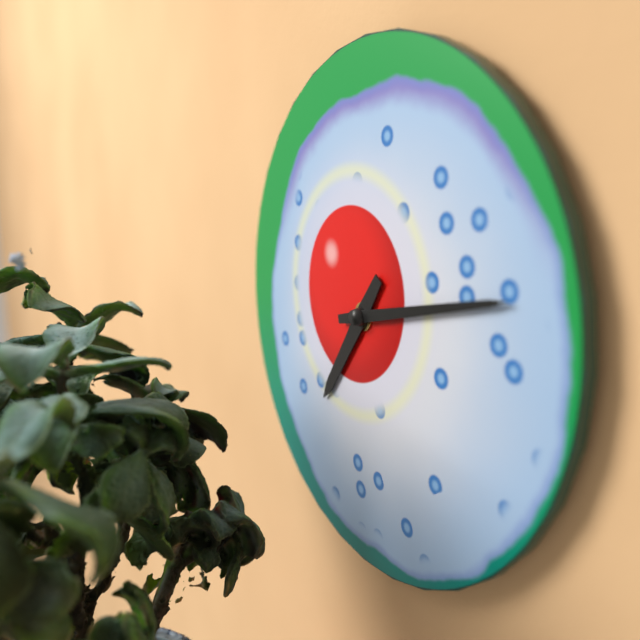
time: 7:13
